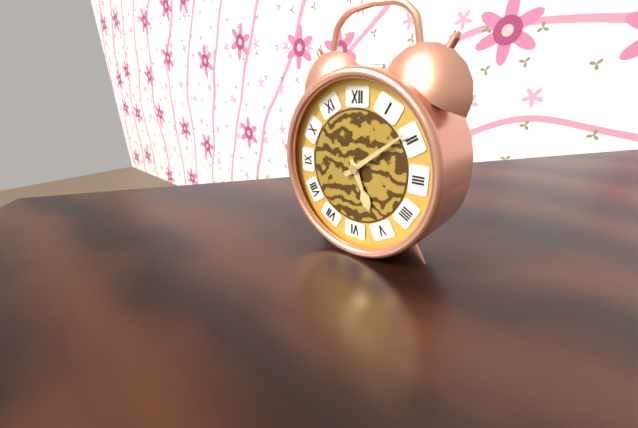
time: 5:09
